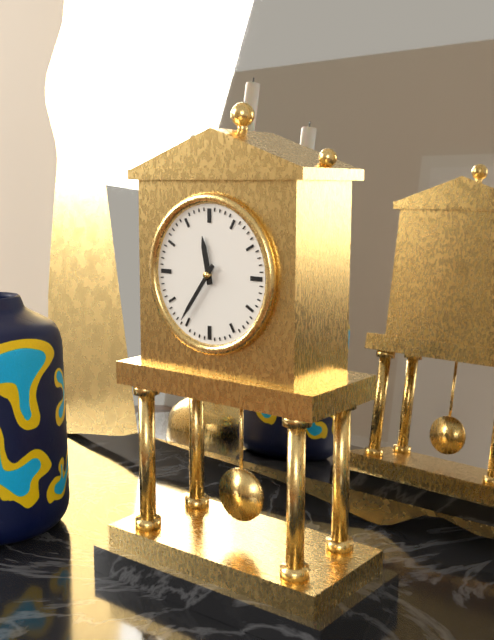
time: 11:36
